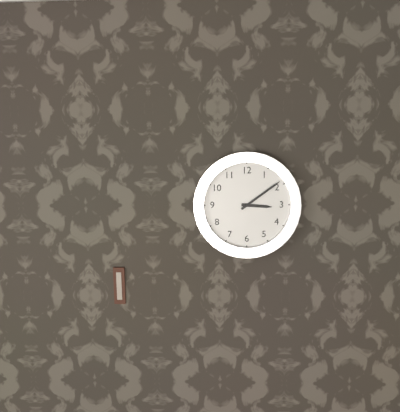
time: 3:09
